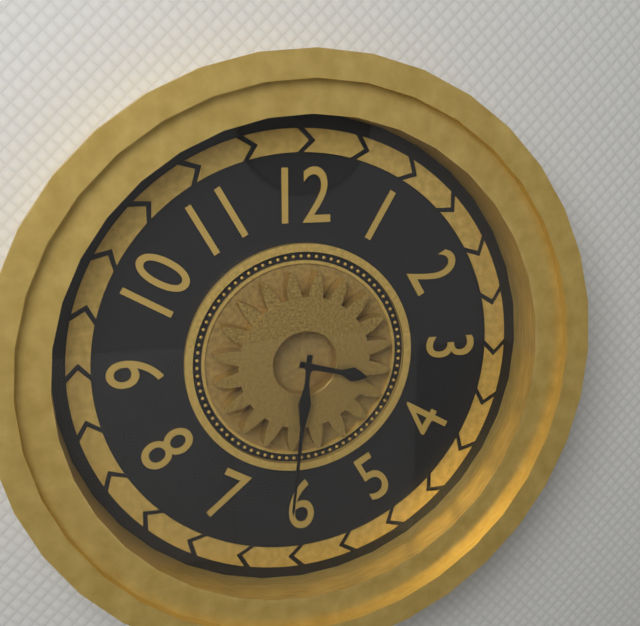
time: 3:31
